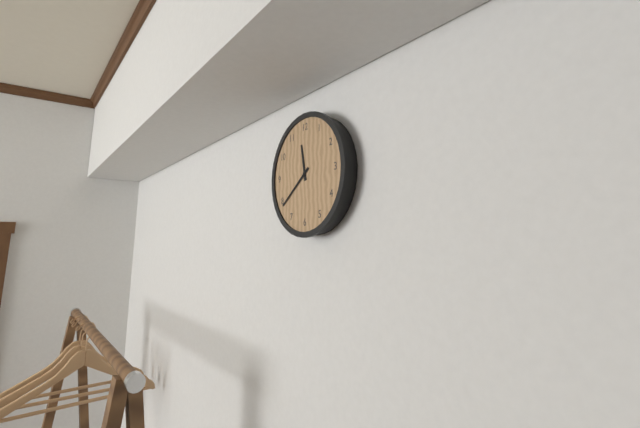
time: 11:39
